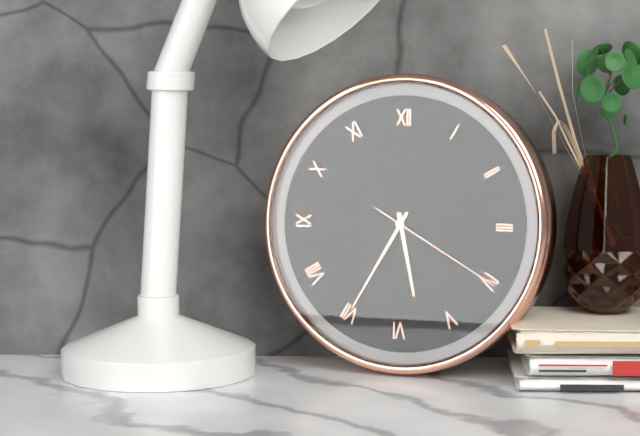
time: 5:35:20
